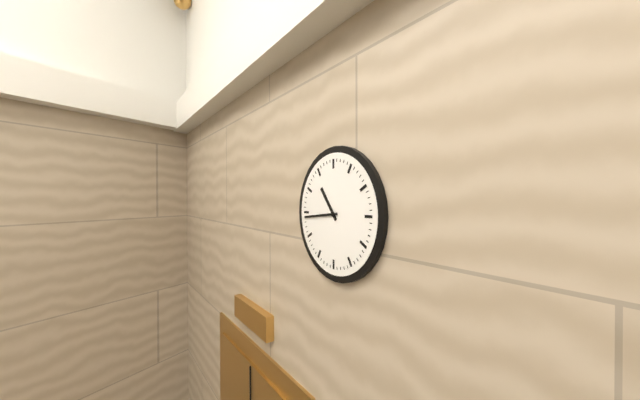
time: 10:44
